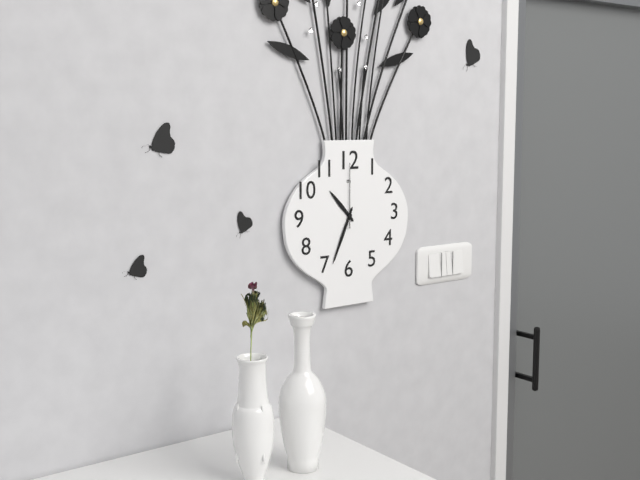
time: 10:34:00
